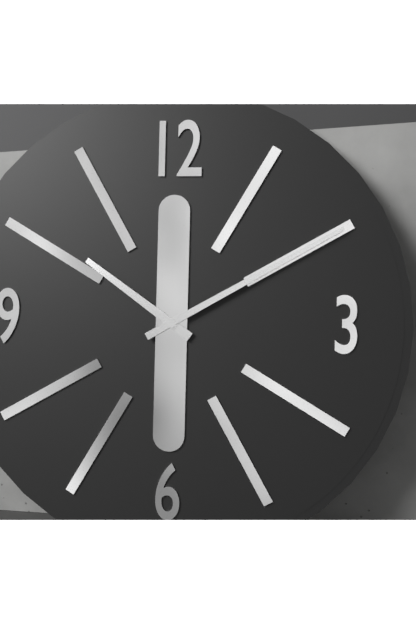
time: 10:10
